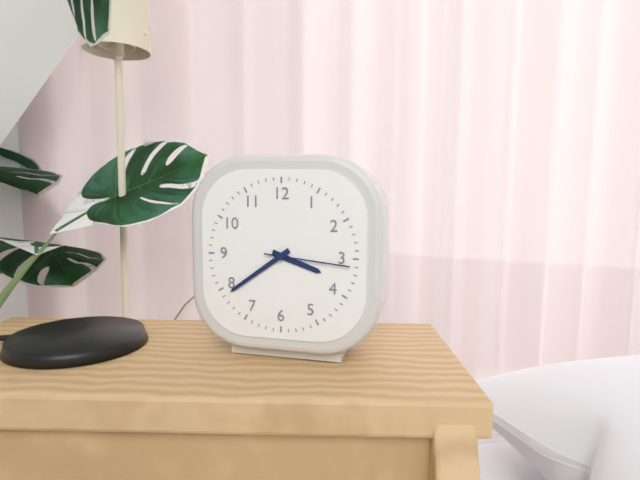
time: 3:39:16
